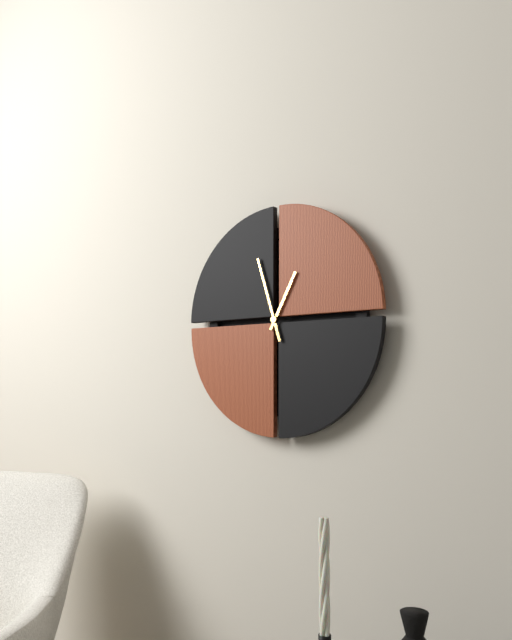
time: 12:57
